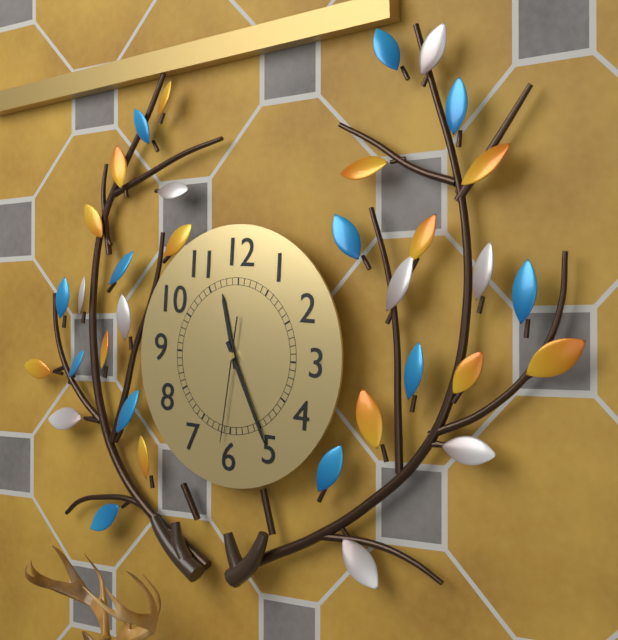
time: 11:25:31
